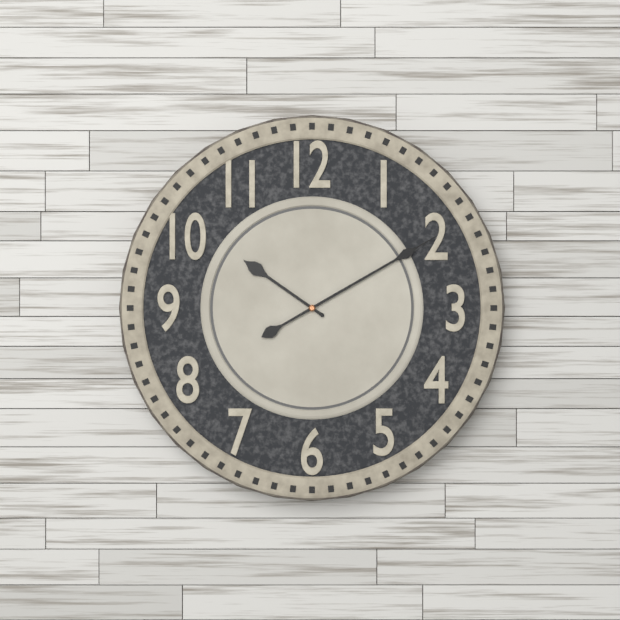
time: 10:10
